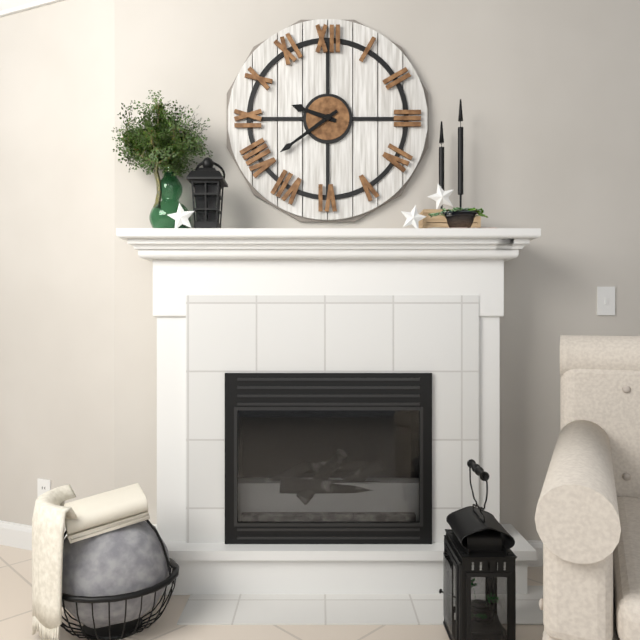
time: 9:39
